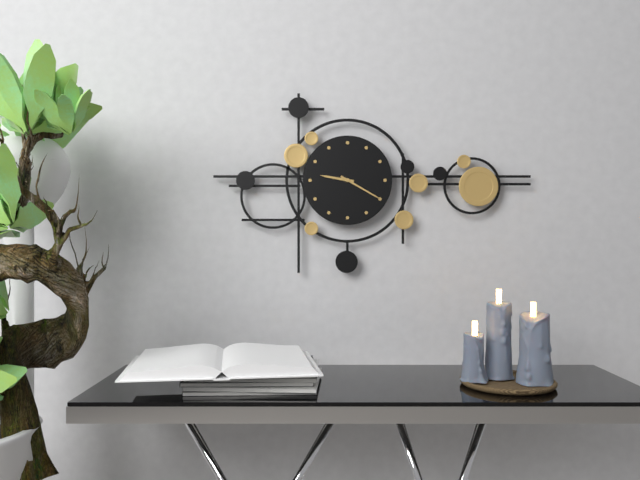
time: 9:20
